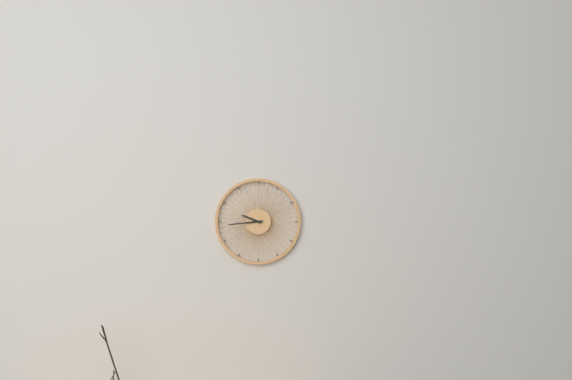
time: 9:44
